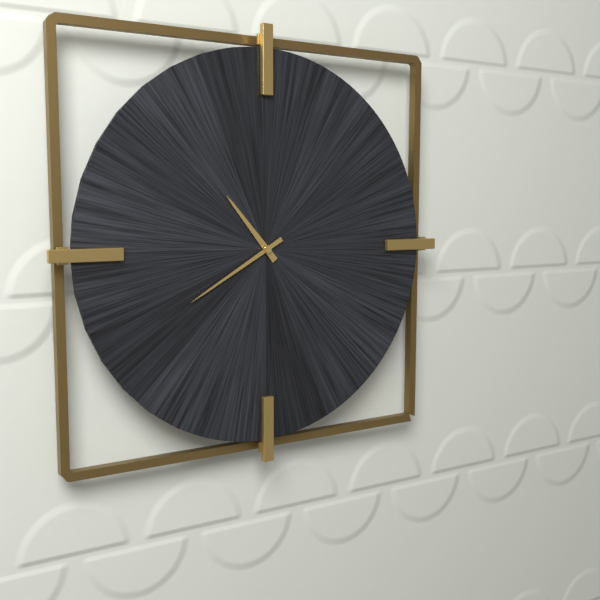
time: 10:40
